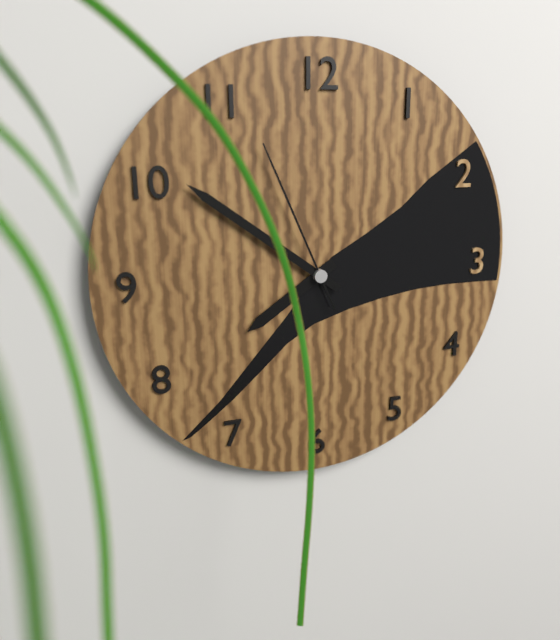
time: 7:51:56
